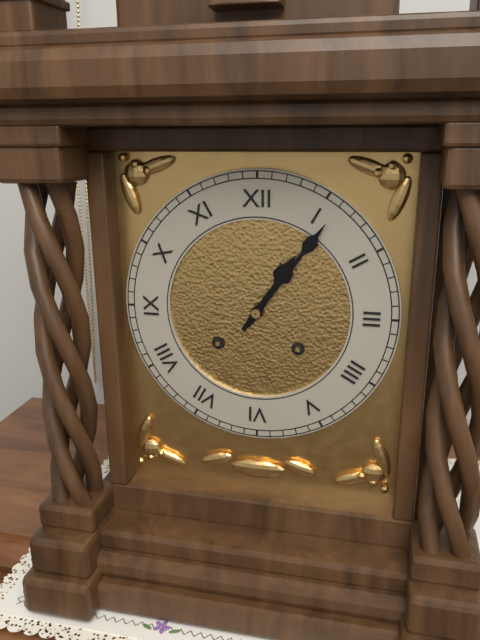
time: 1:06
